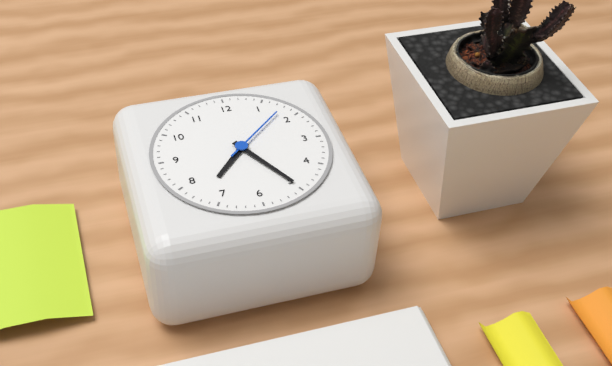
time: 7:25:08
